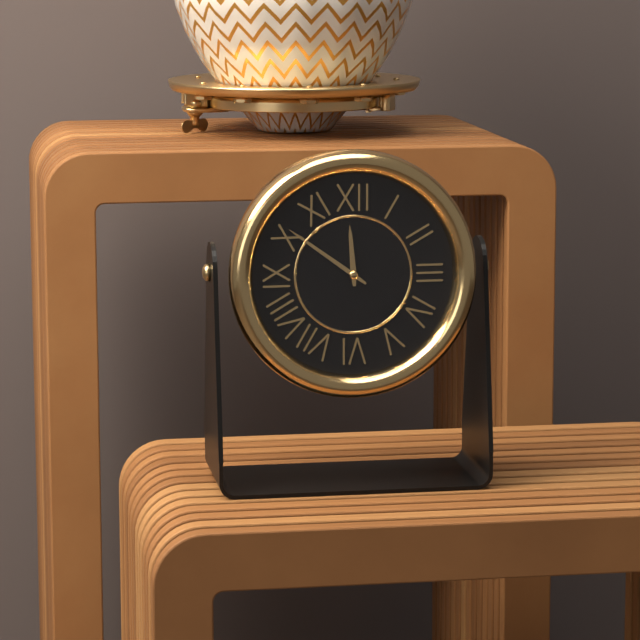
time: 11:51
